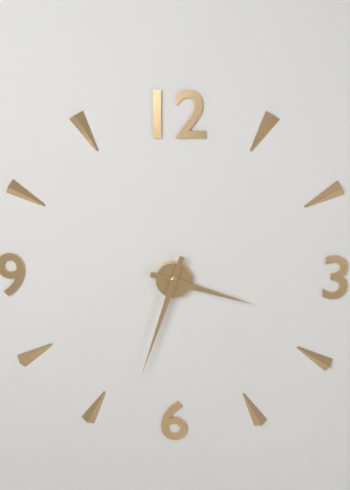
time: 3:33
